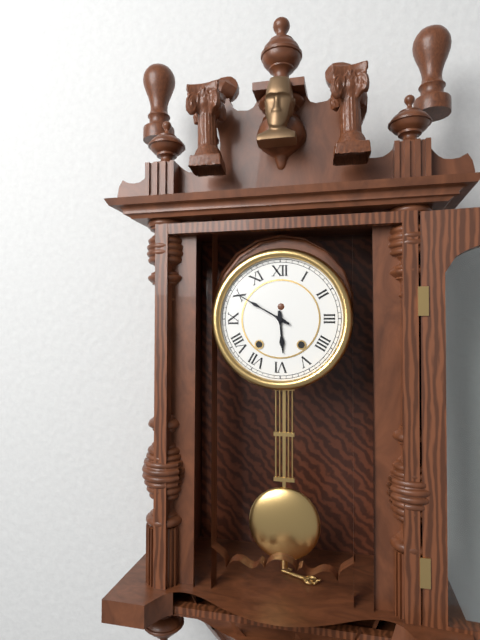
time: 5:50
